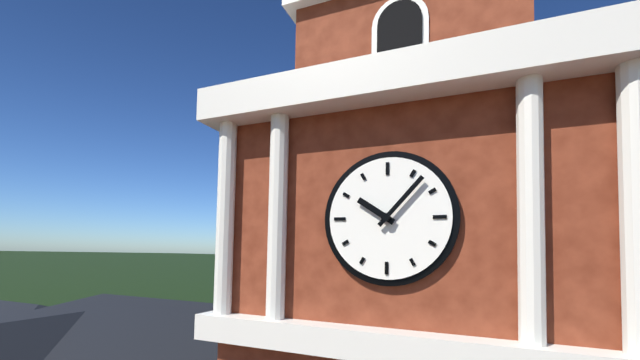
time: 10:07
